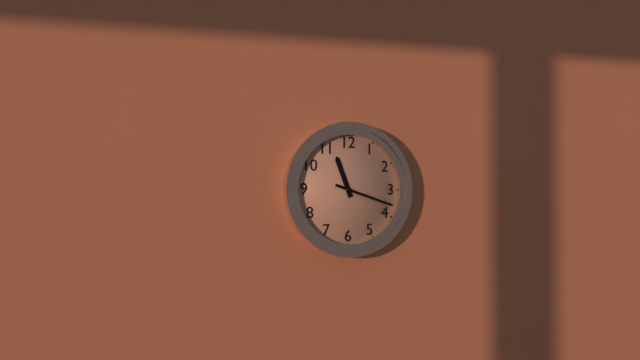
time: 11:18
